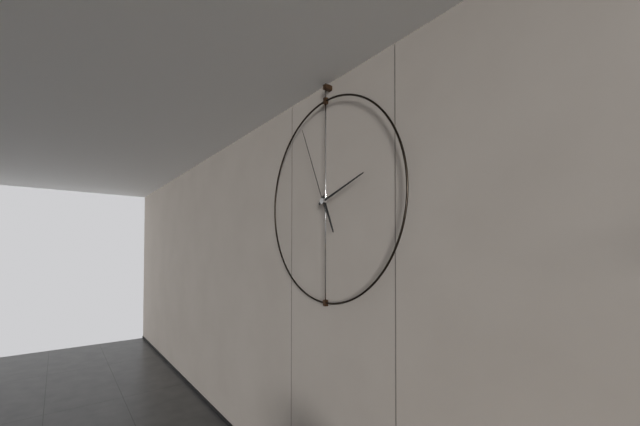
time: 5:12:56
